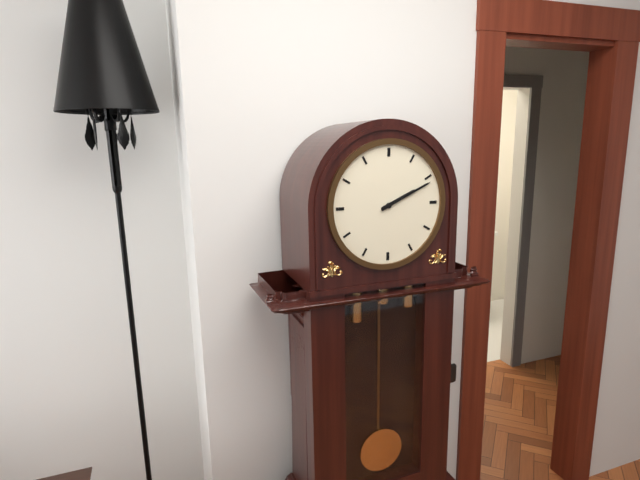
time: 2:11
